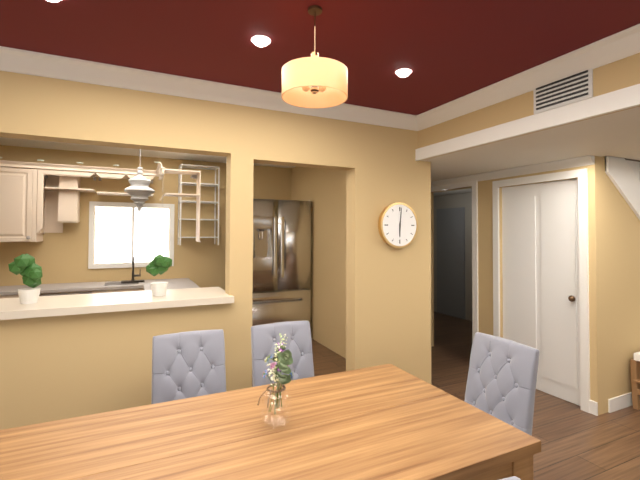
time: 6:01
